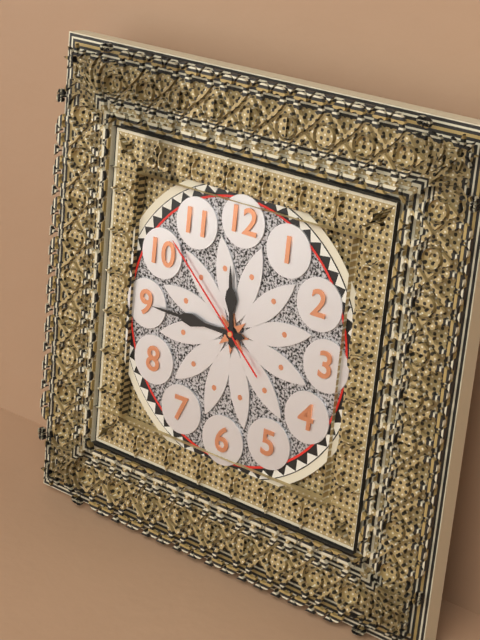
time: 11:45:52
